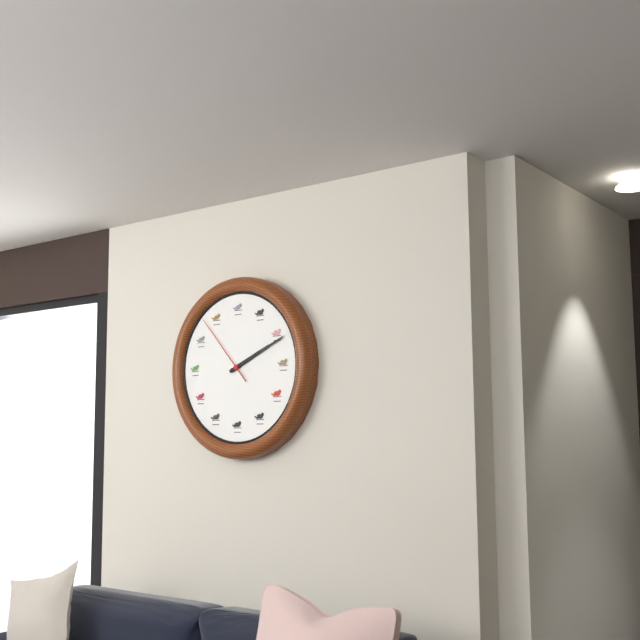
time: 2:11:53
